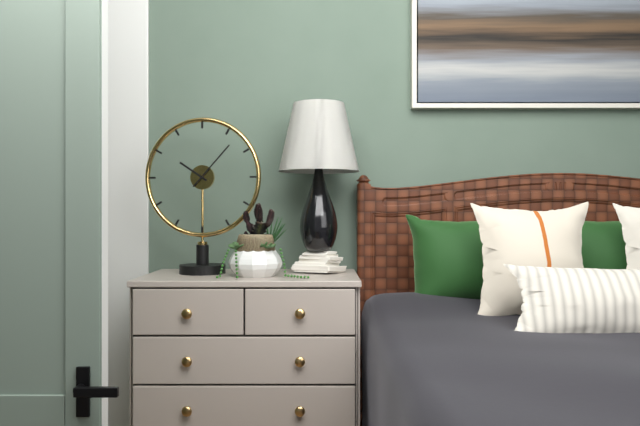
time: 10:07
